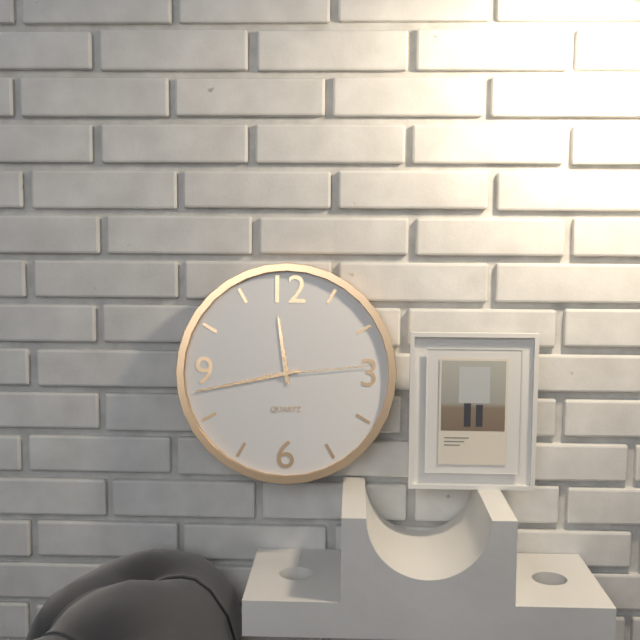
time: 11:43:14
